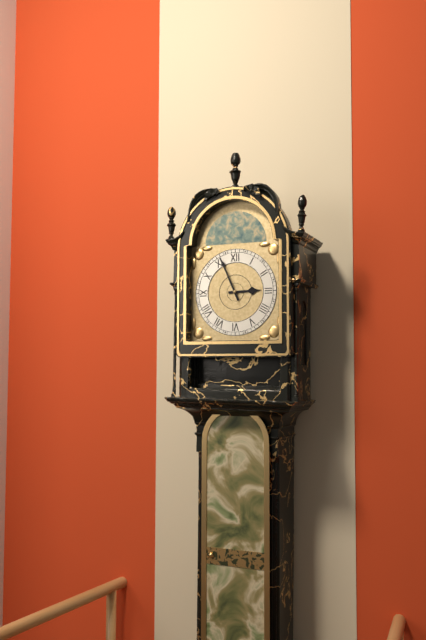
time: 2:56
